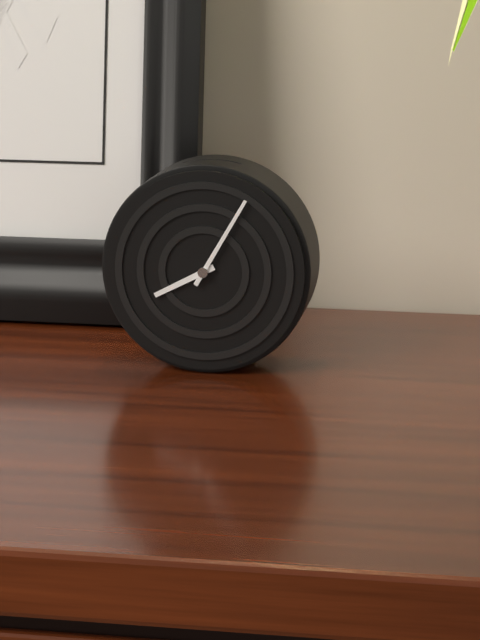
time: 8:05
